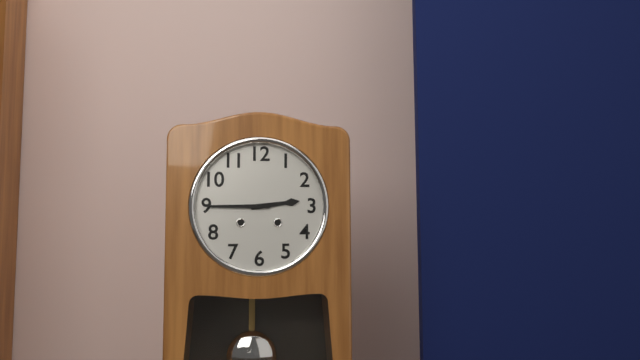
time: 2:45
